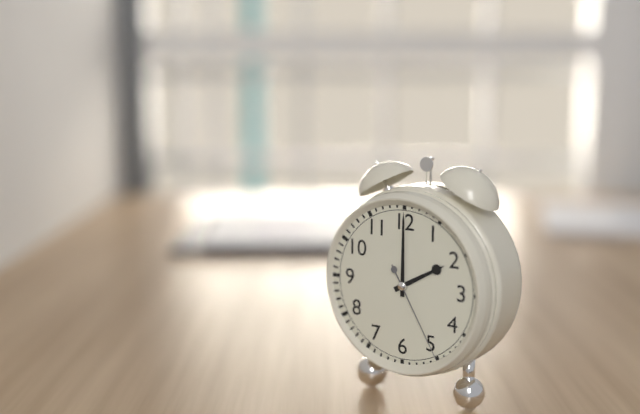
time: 2:00:25
